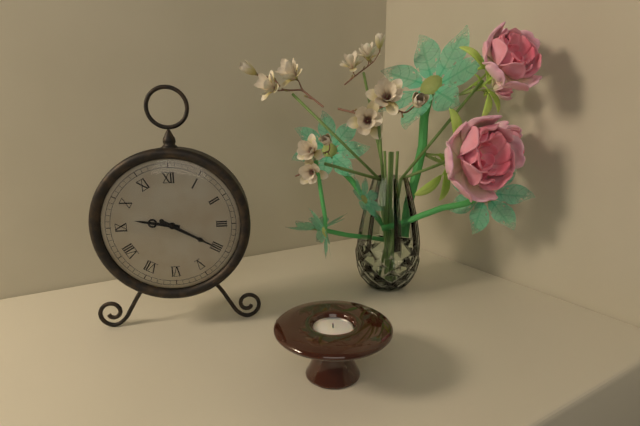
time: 9:20
